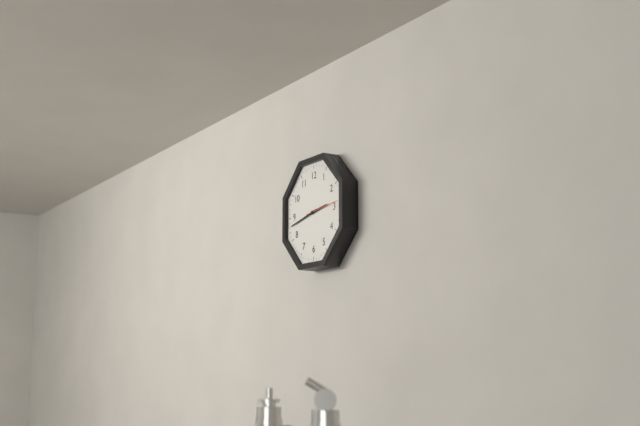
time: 2:43
